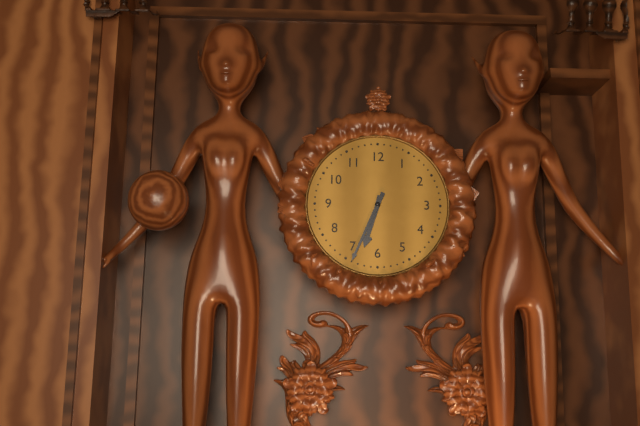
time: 6:34
